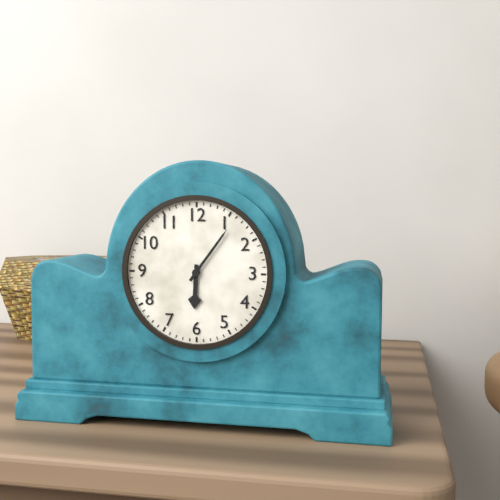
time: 6:06
